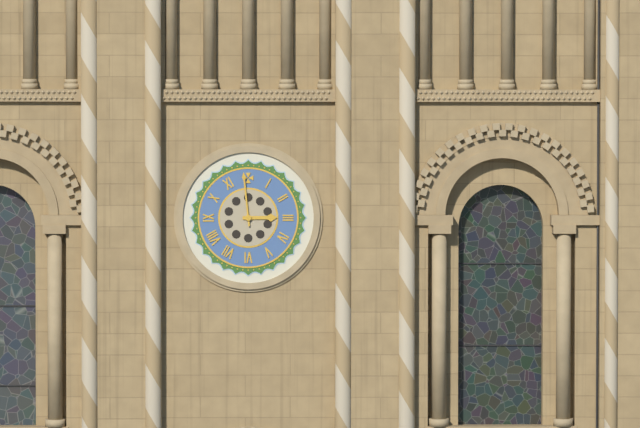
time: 2:59
